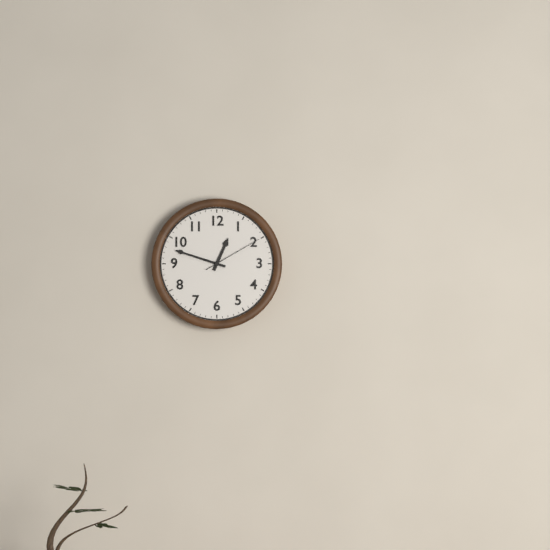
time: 12:48:10
